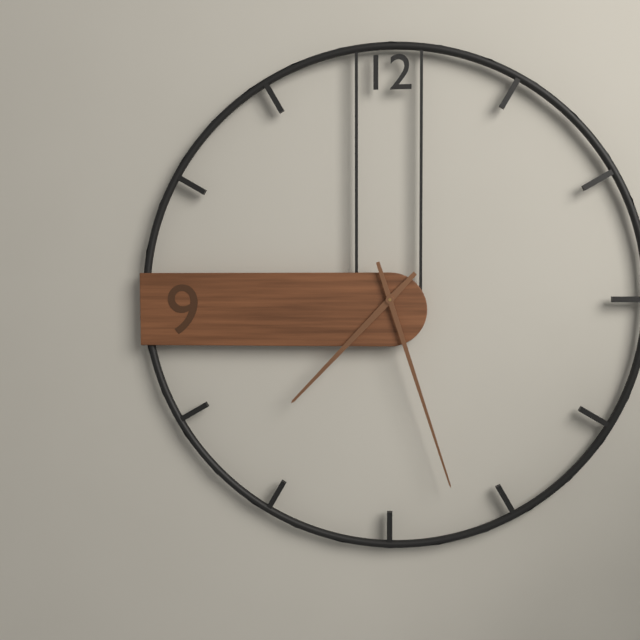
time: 7:27
